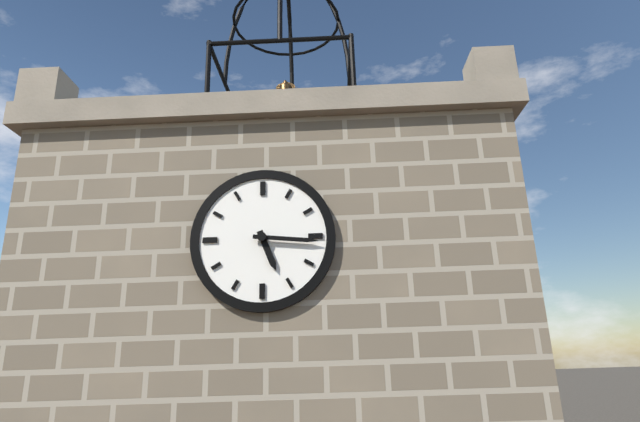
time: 5:16
